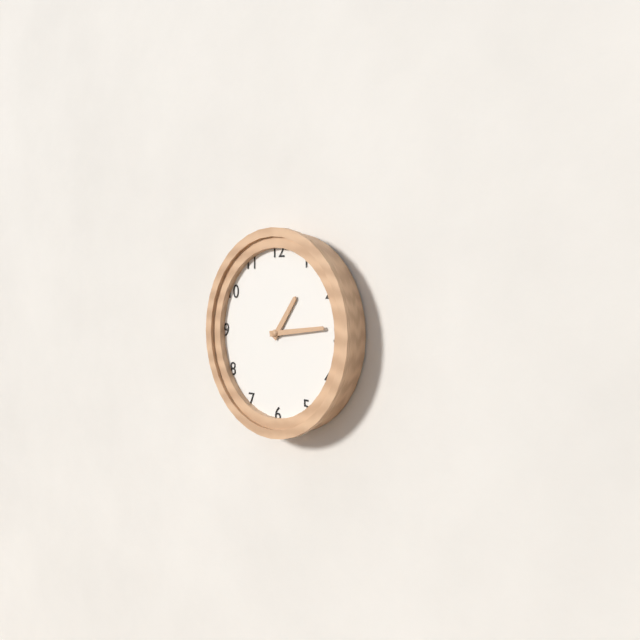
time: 1:14
